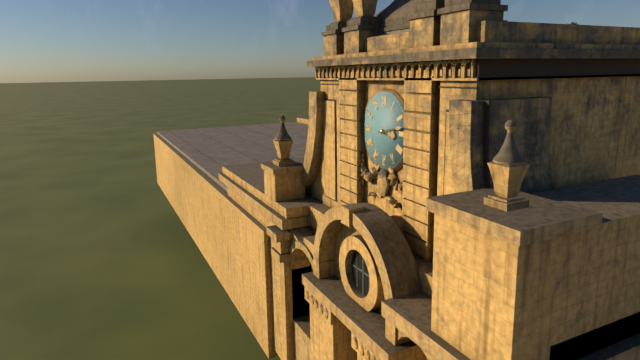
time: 3:13
